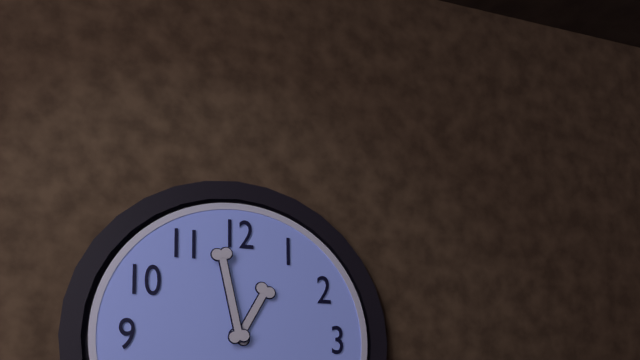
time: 12:58
